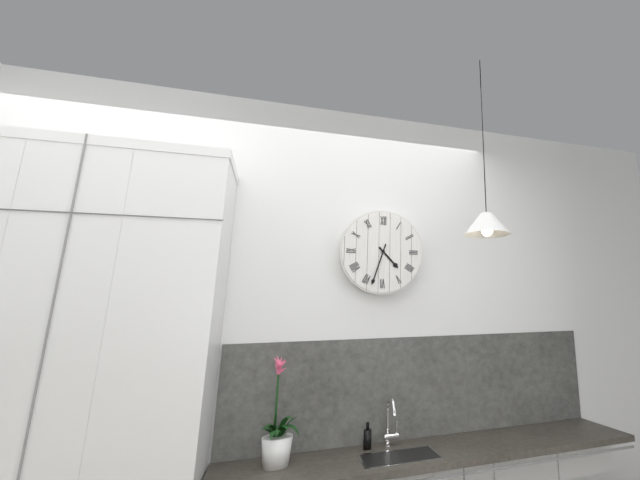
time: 4:33
